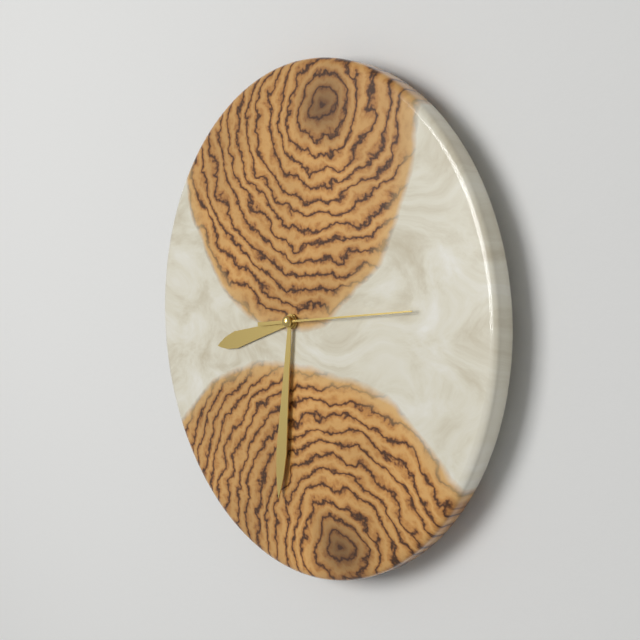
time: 8:31:14
